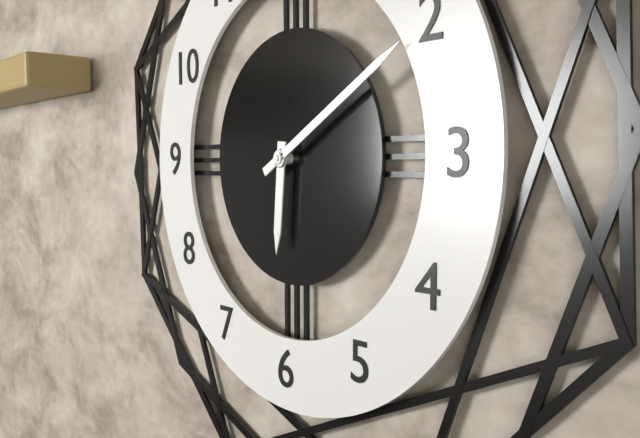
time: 6:10
